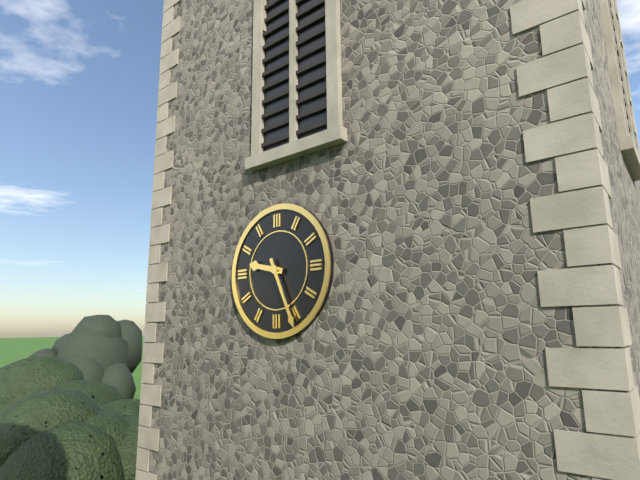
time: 9:26
